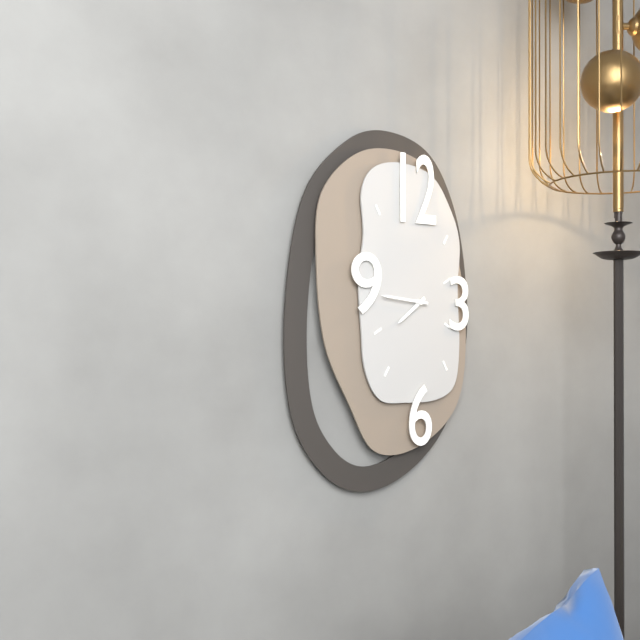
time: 7:46
